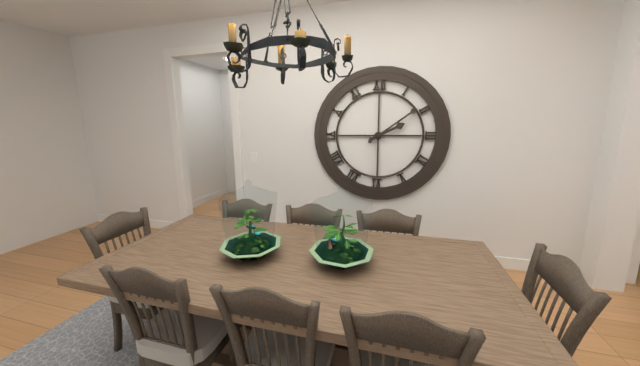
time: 2:09
